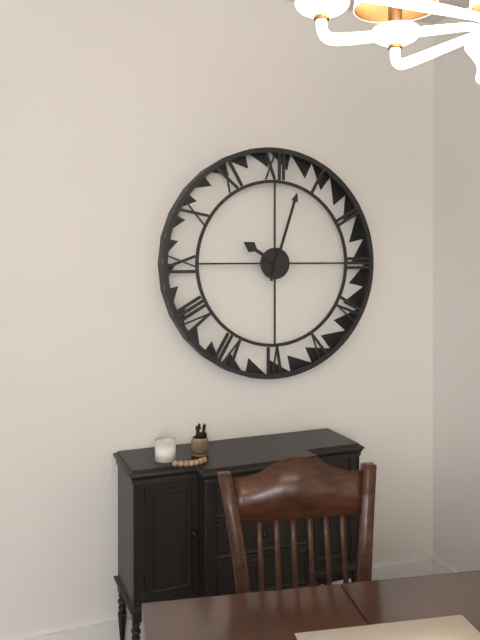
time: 10:03
